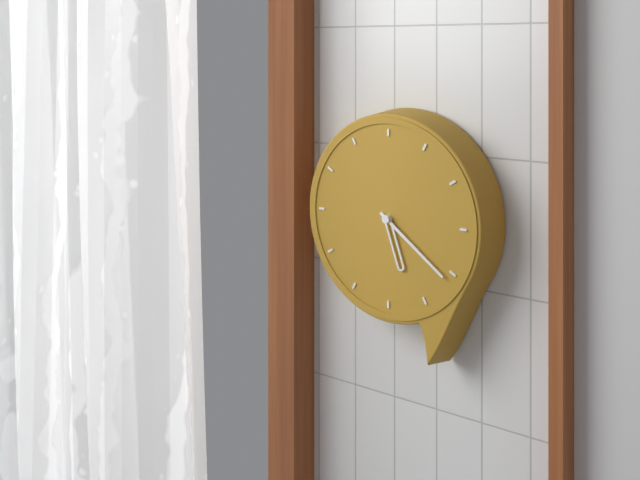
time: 5:21
